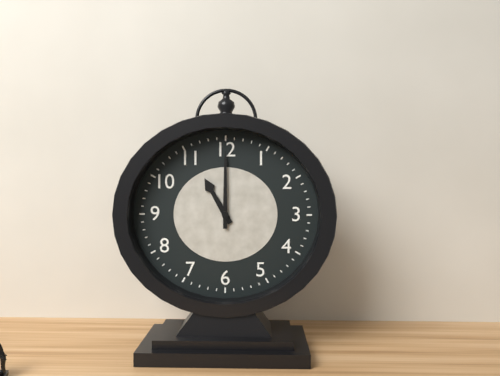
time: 11:00
